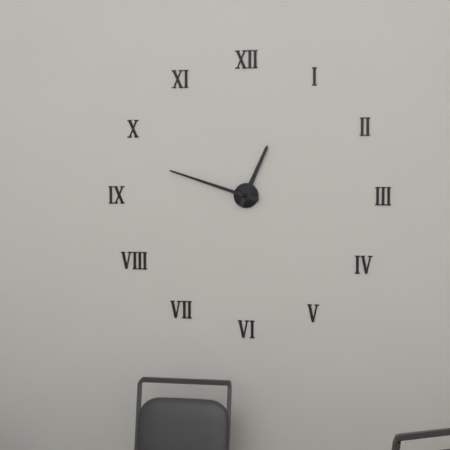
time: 12:48
